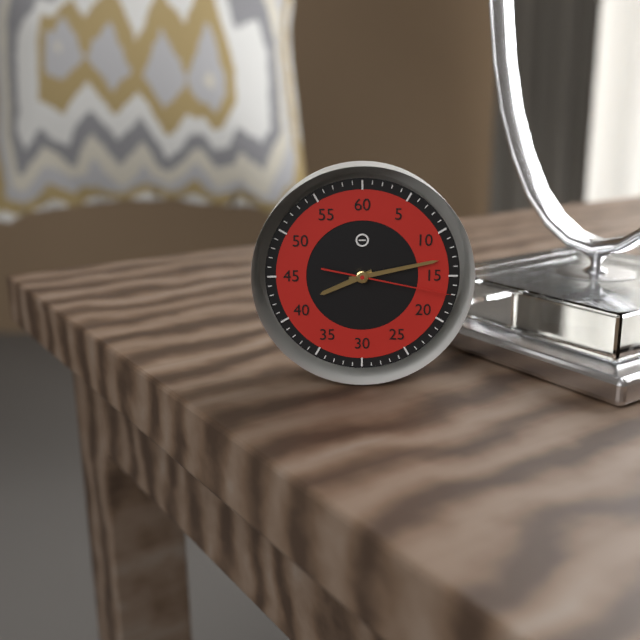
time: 8:13:17
